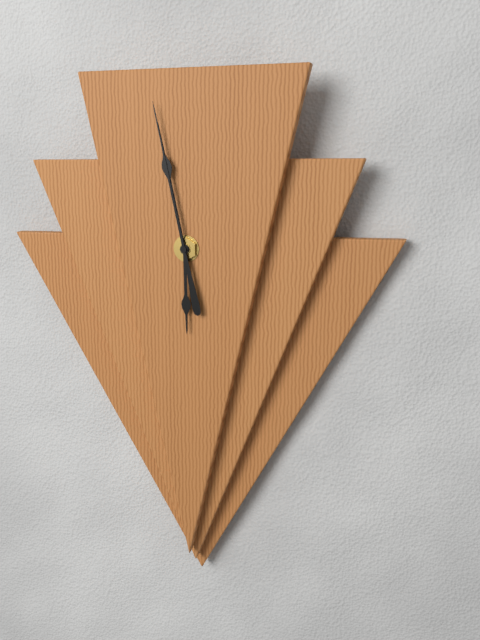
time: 5:58:58
